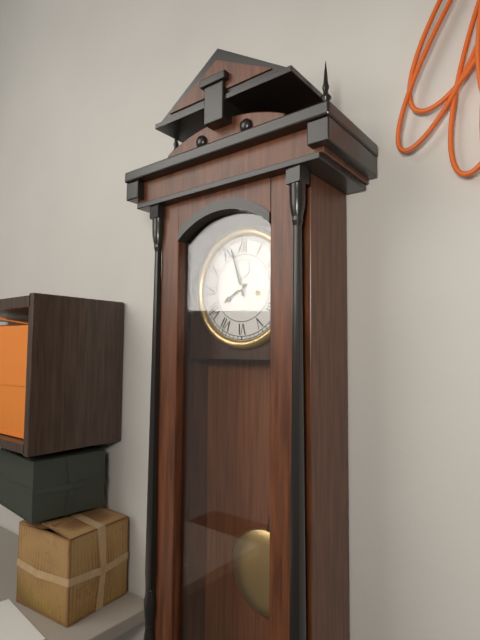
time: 7:57
